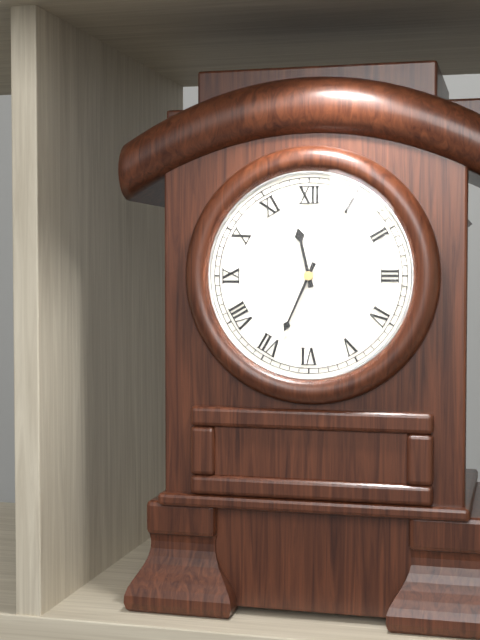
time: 11:34
